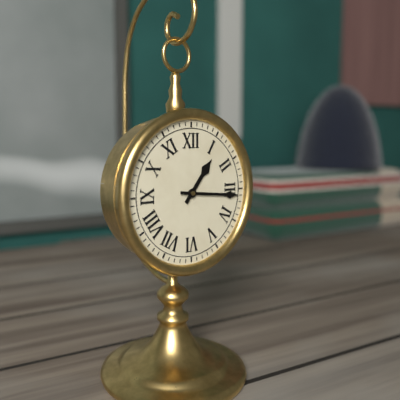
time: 1:16
